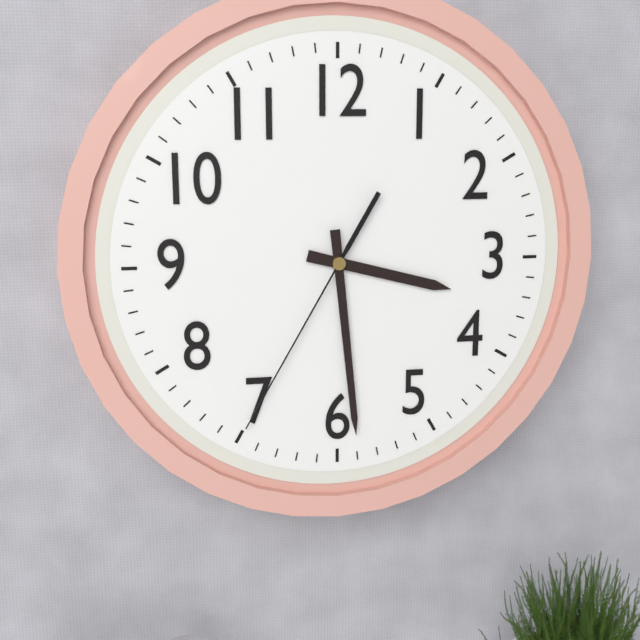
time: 3:29:35
